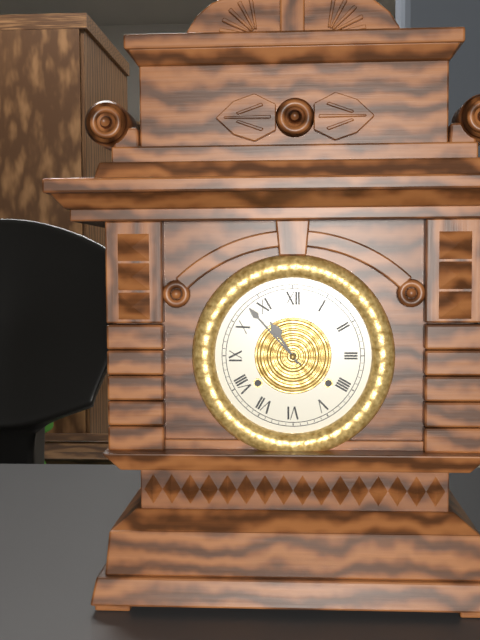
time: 10:53
